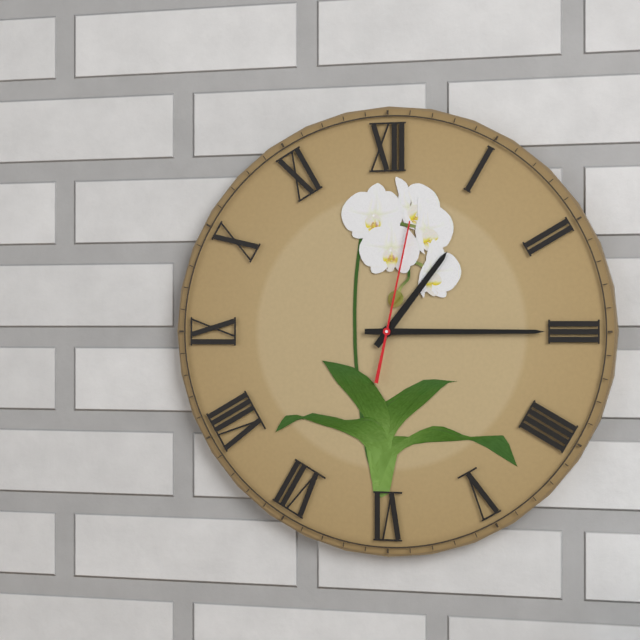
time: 1:15:02
